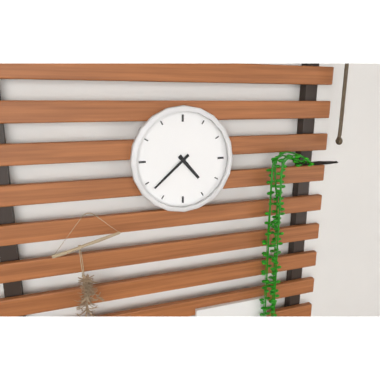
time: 4:38
